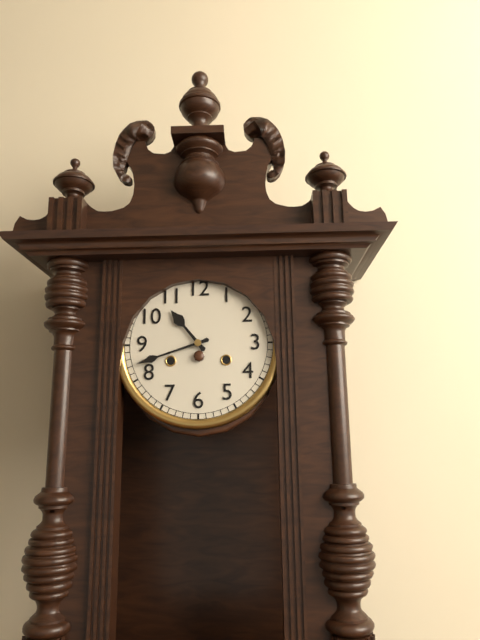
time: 10:42
